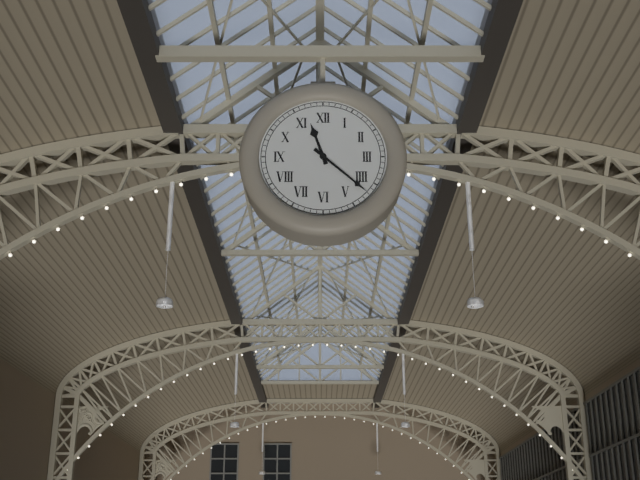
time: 11:22
